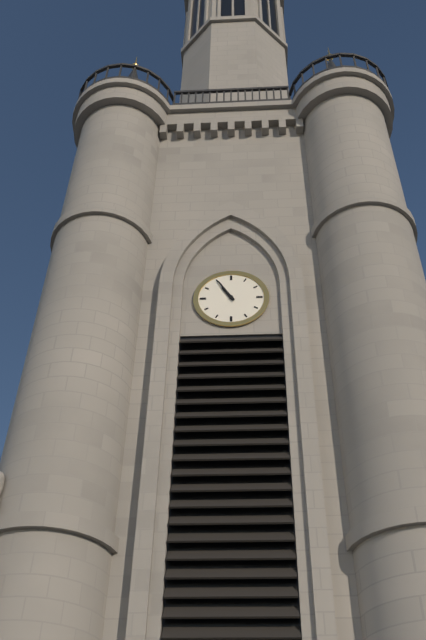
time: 10:55
